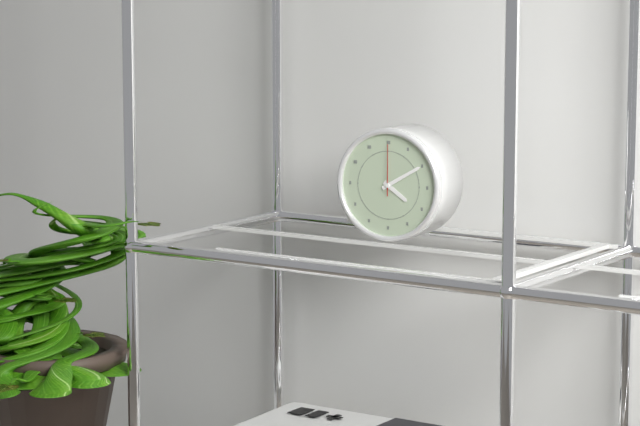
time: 4:10:00
